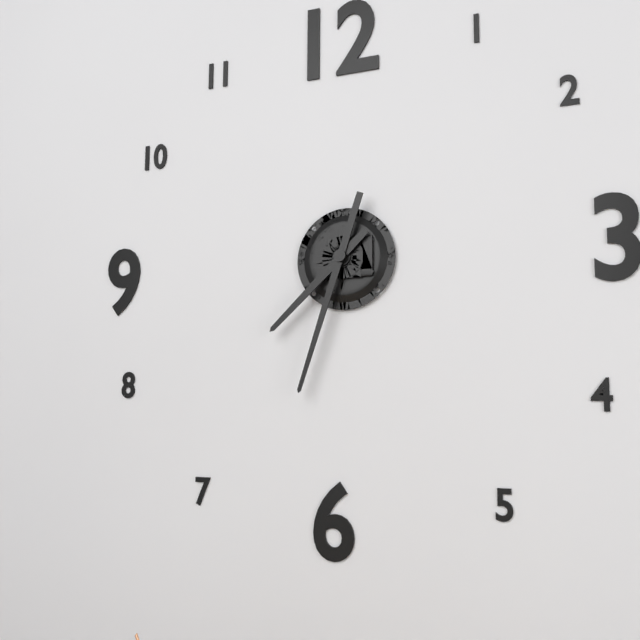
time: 7:33
